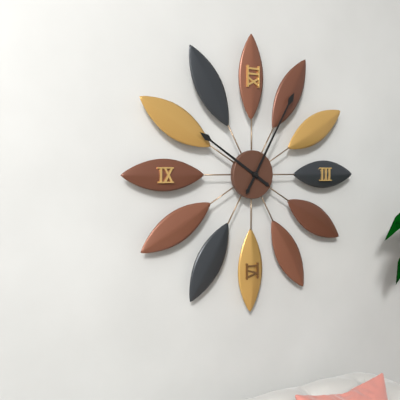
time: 10:05
